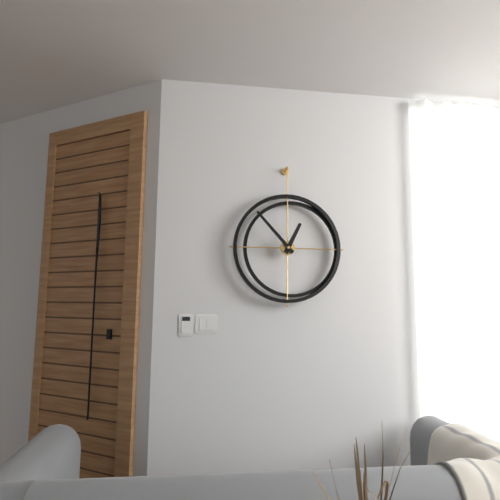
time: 12:53
